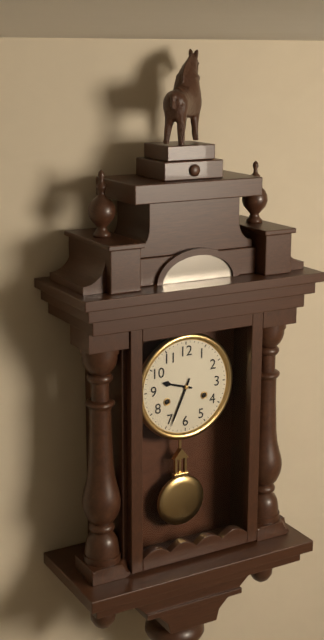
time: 9:34
